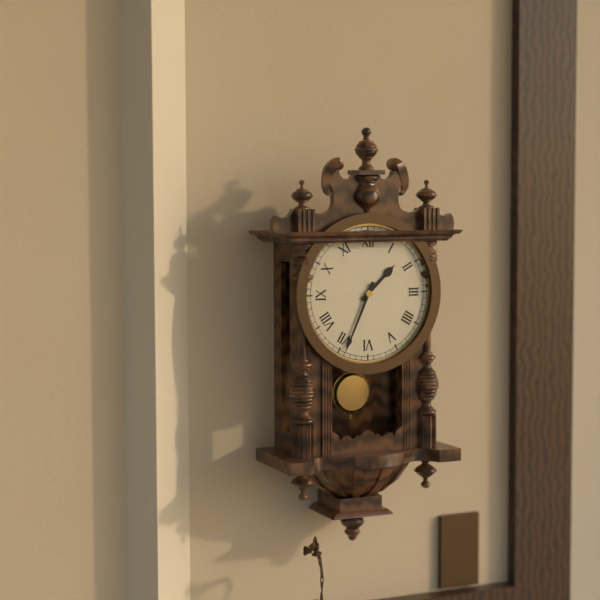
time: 1:34
